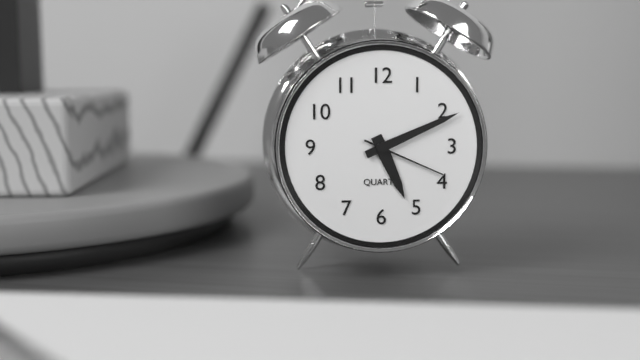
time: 5:11:19
